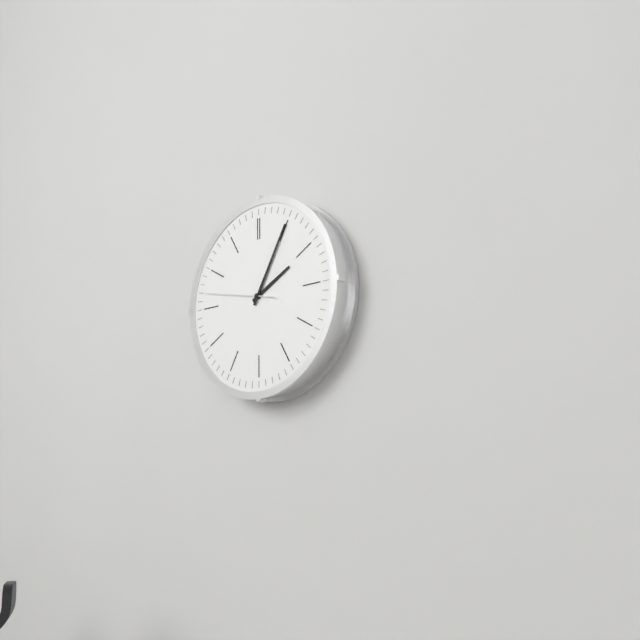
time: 2:05:47
